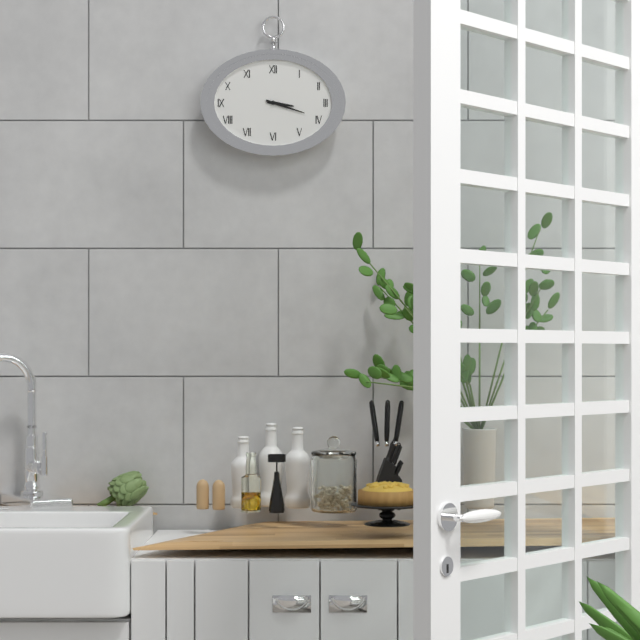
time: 3:18
